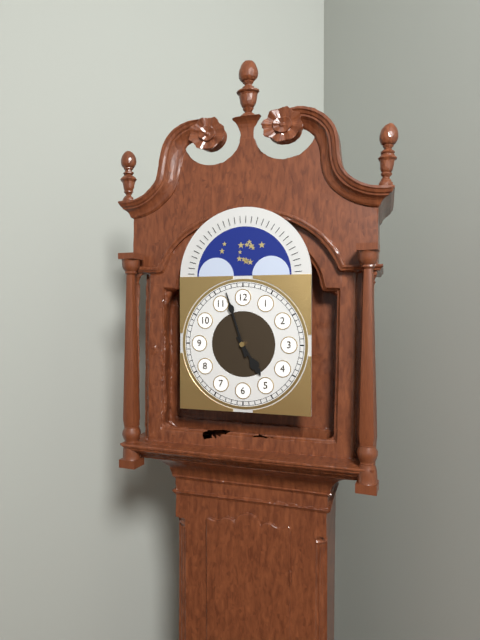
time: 4:57
